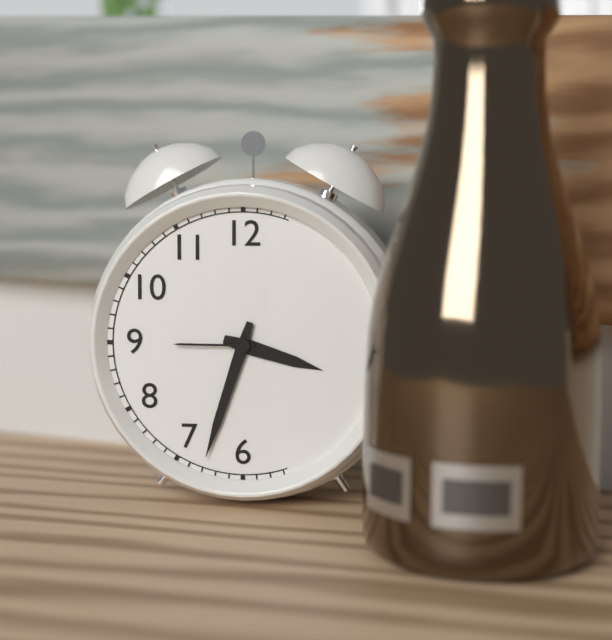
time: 3:33
